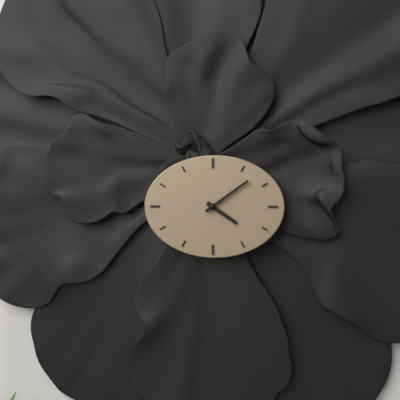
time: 4:09
